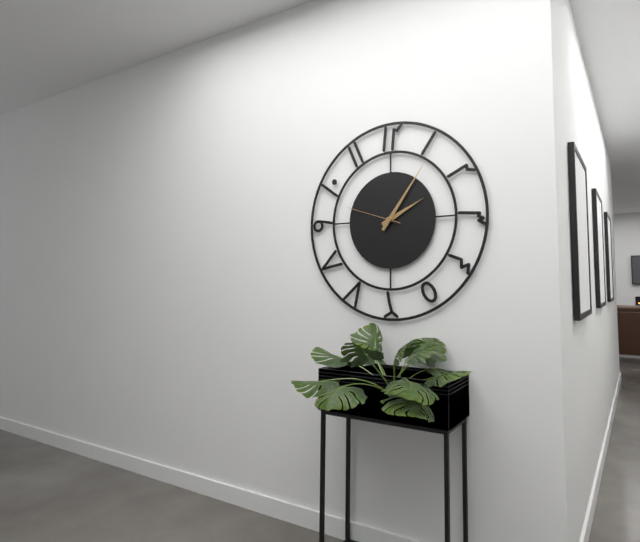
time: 2:06:48
